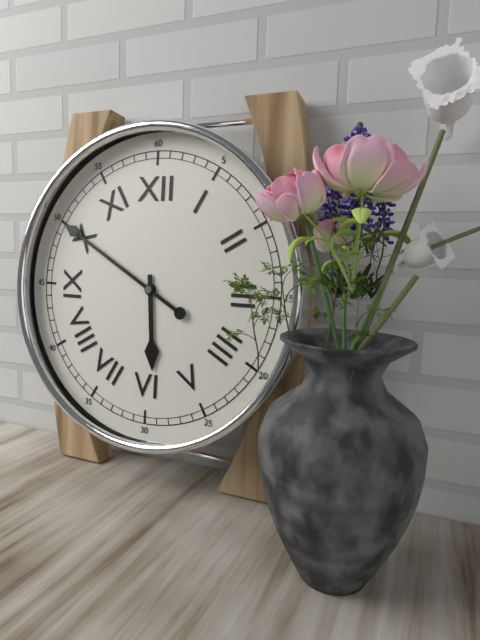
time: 5:50
